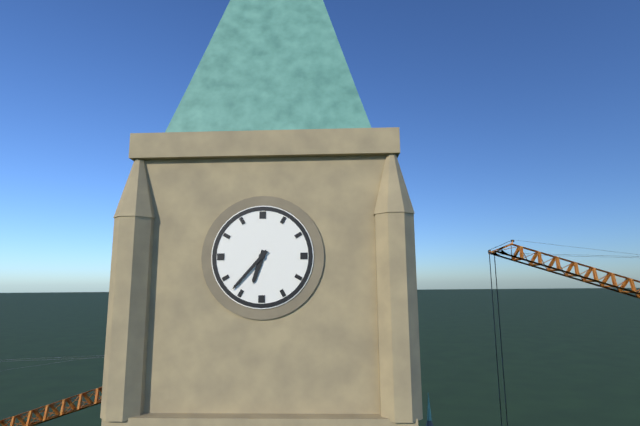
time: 6:37
